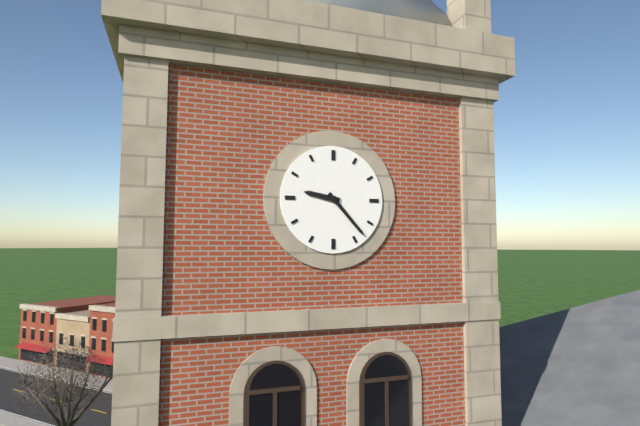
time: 9:23
